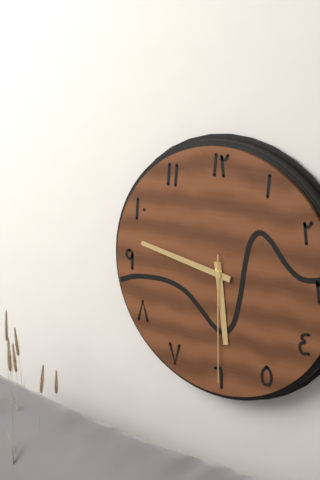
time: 5:47:30
